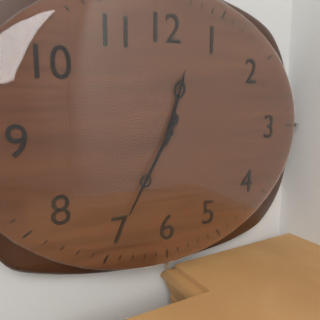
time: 12:35
